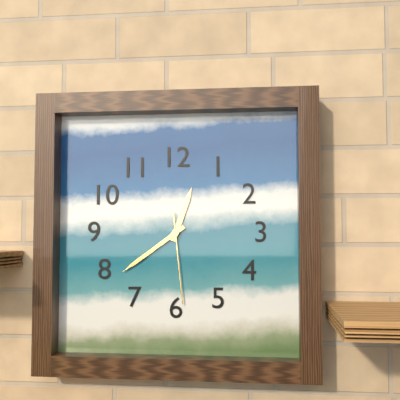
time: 12:39:29
